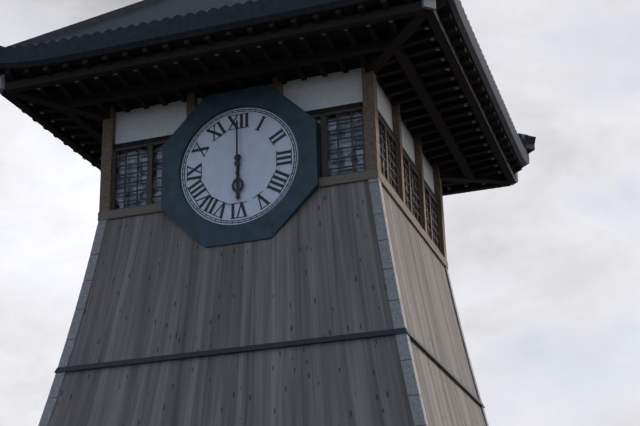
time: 6:00
